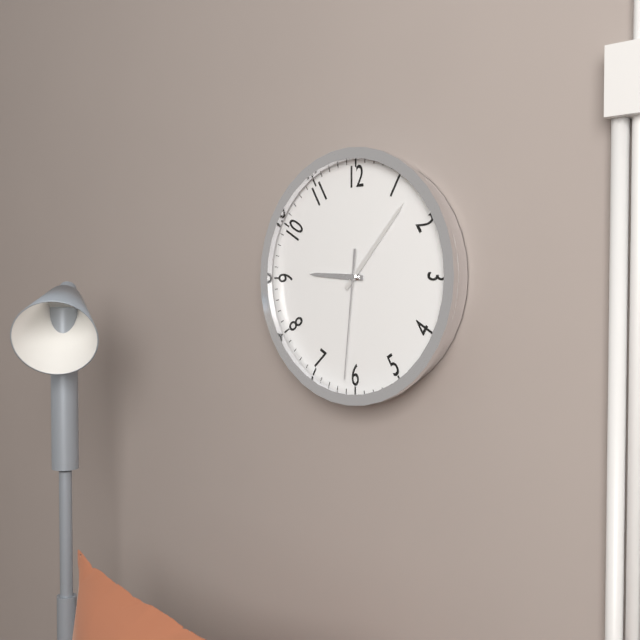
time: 9:07:31
